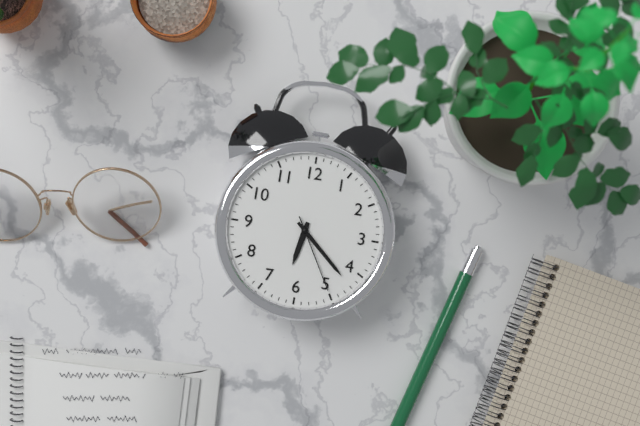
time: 6:22:25
